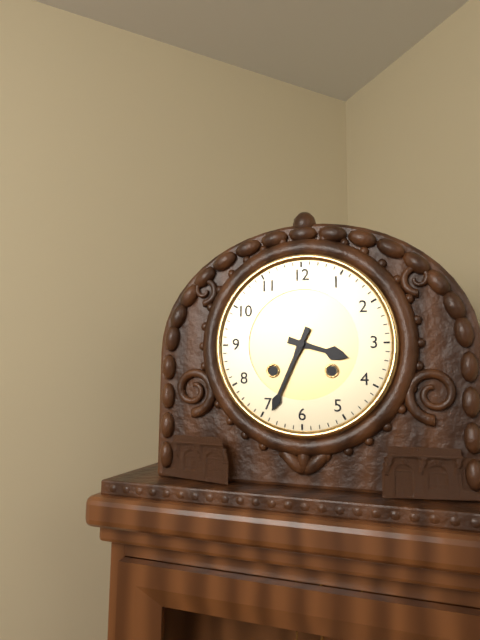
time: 3:34
